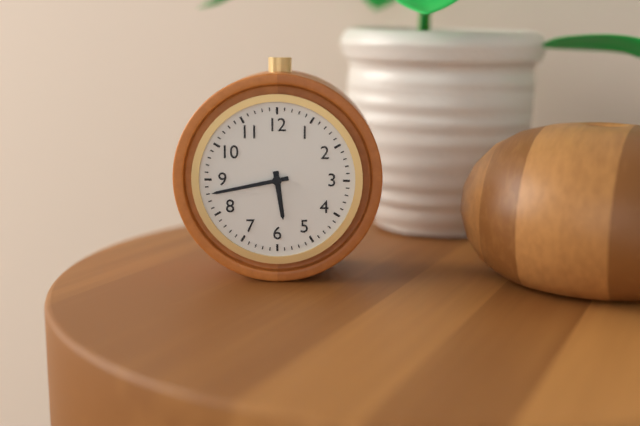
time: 5:43
